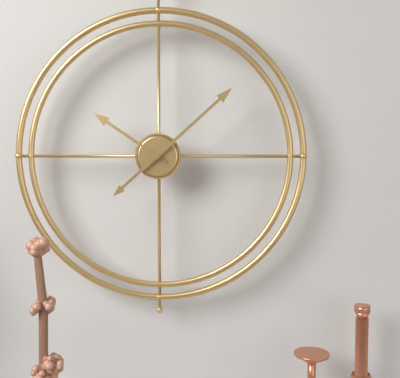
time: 10:08
